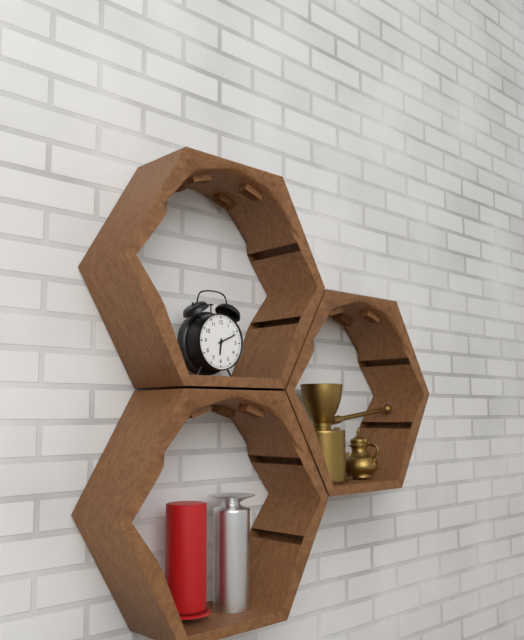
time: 6:11
